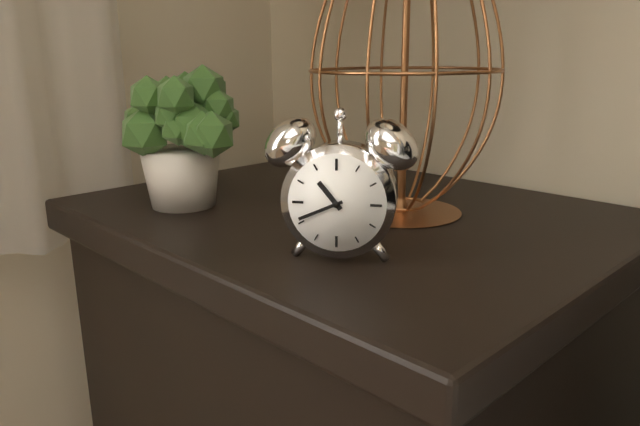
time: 10:41
